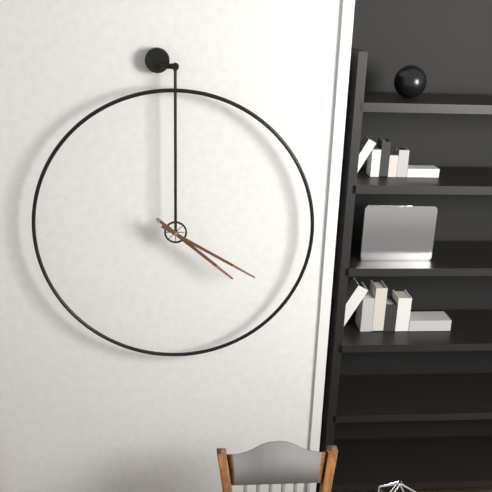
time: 4:20
